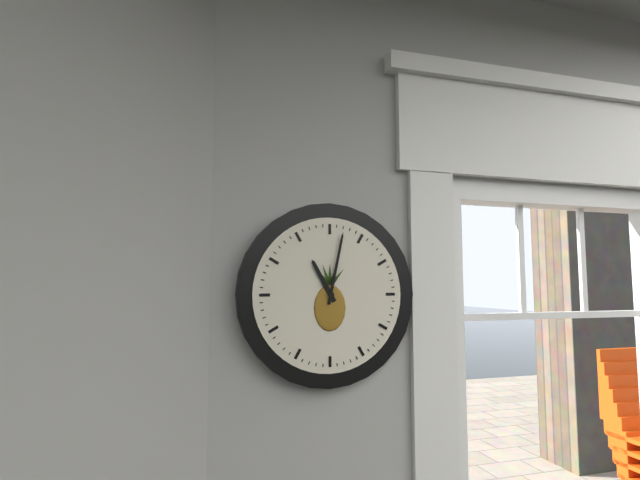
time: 11:02
